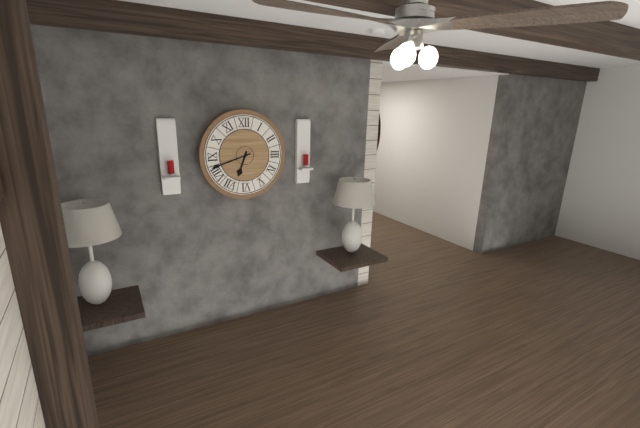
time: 6:42
